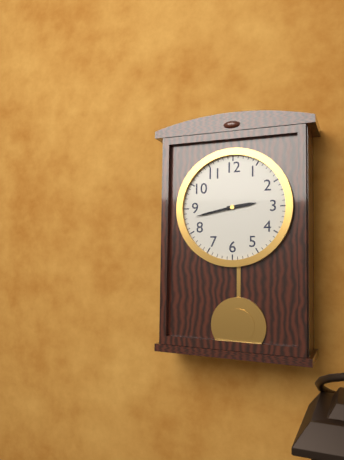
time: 2:43
